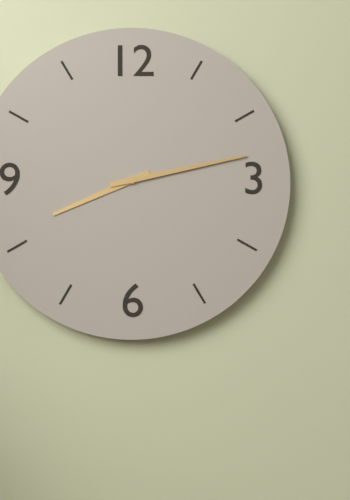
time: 8:13
